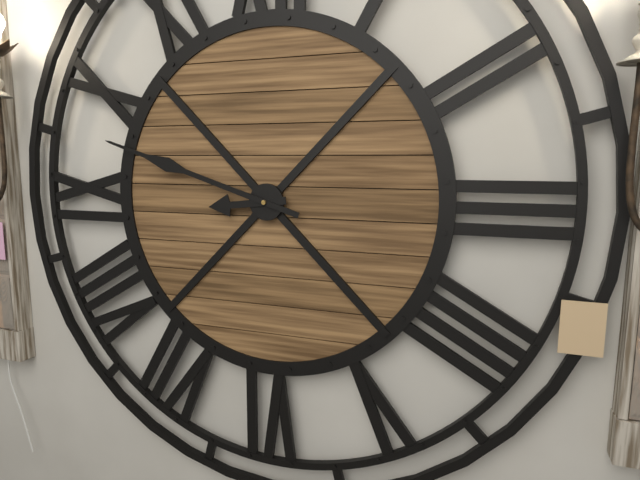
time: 8:48
